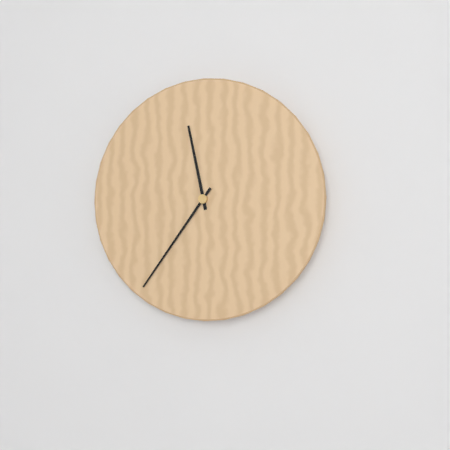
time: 11:36
